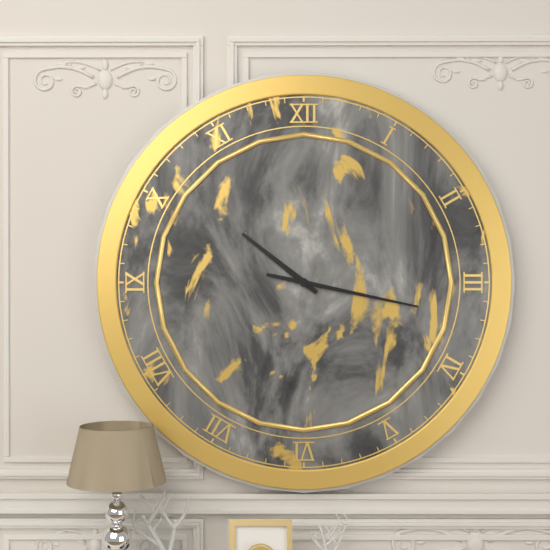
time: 10:17
